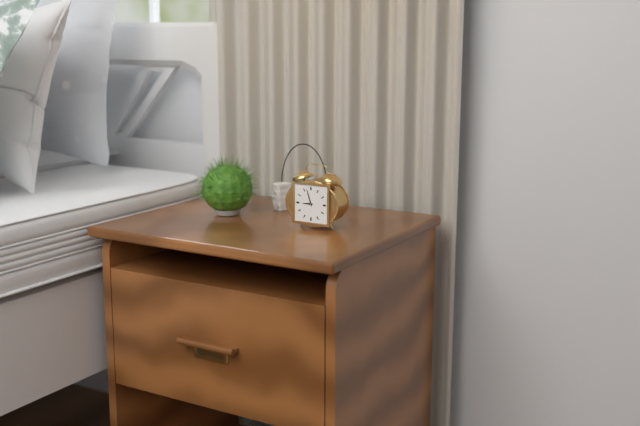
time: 8:57
